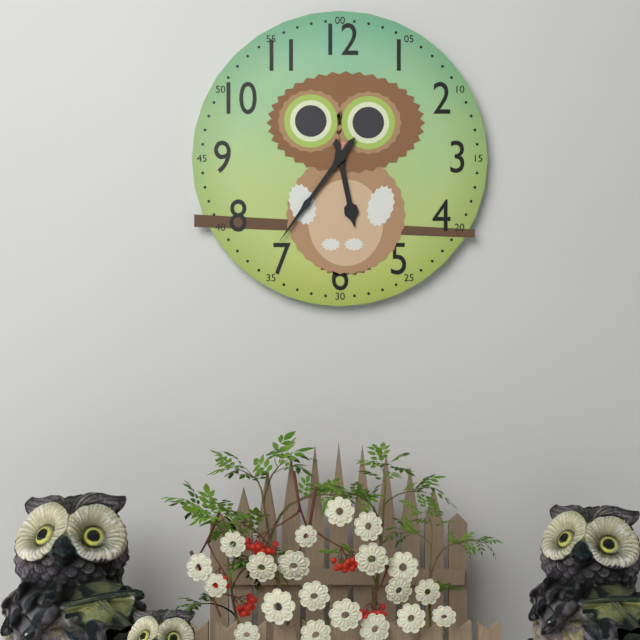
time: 5:36
